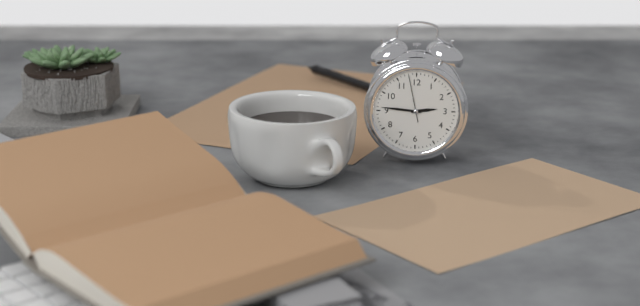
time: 2:46
